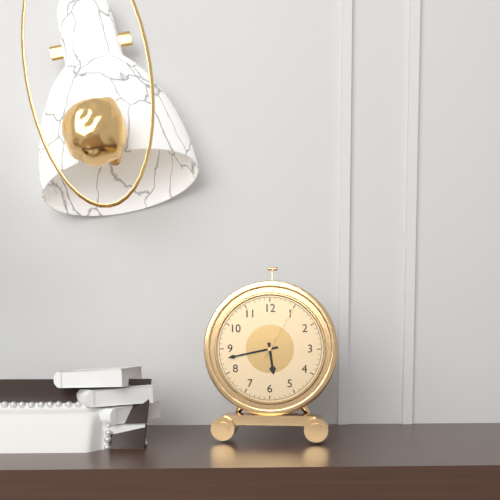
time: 5:43:05
